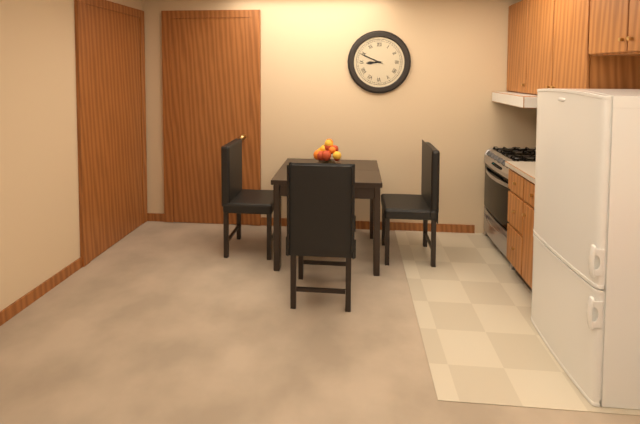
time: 8:49
